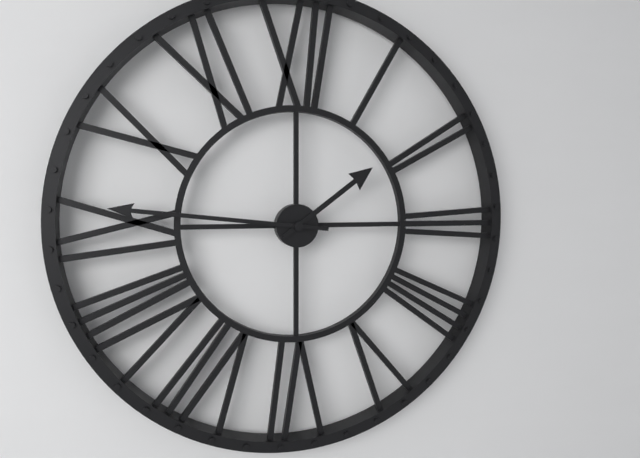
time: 1:46
